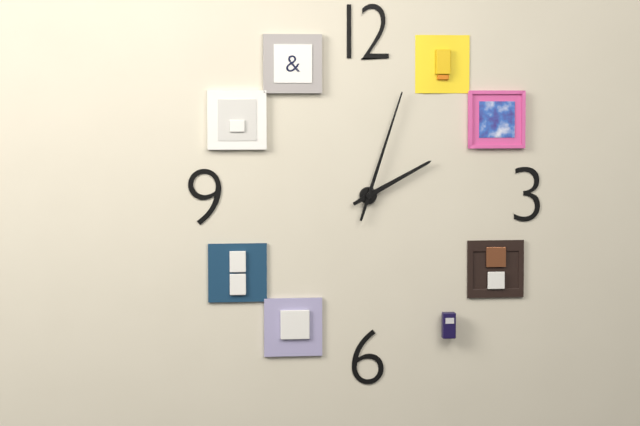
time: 2:03
